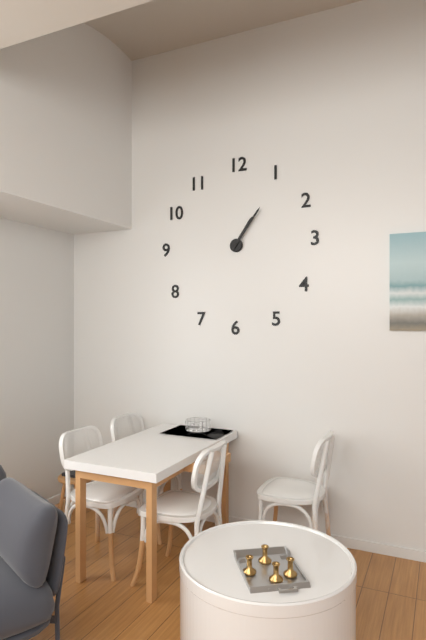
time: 1:06
